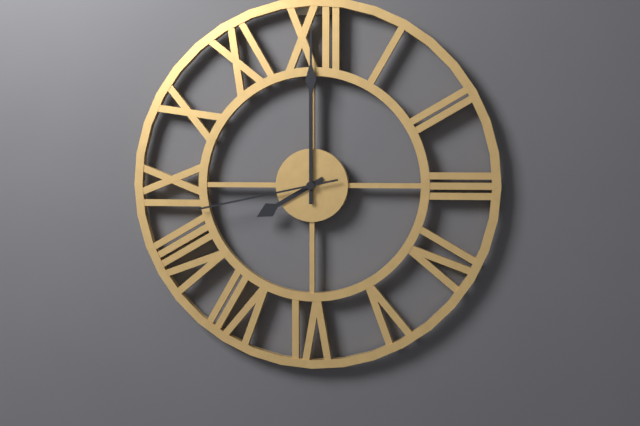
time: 8:00:43
